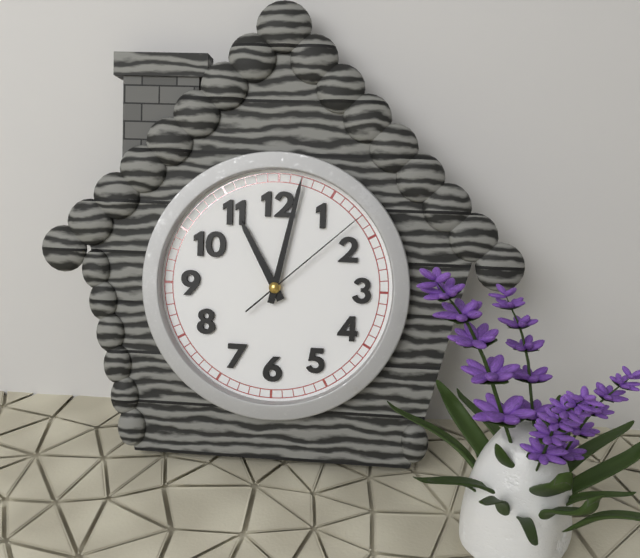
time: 11:02:08
